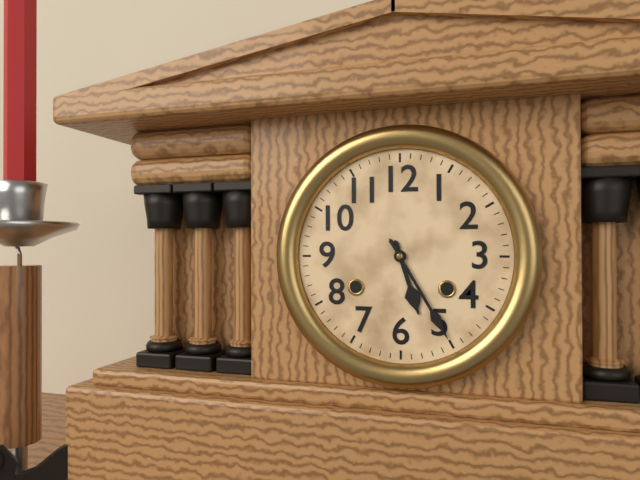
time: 5:25
